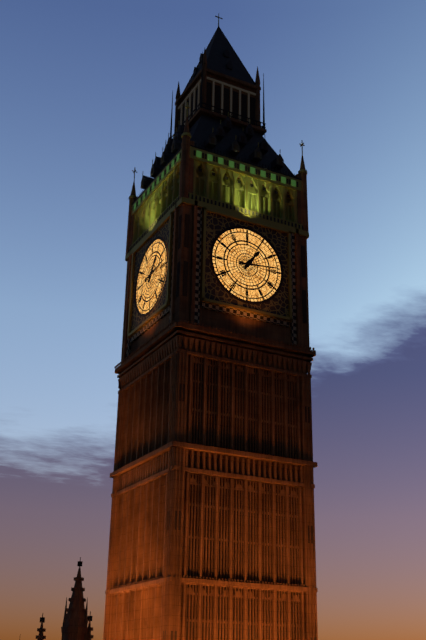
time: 1:14
